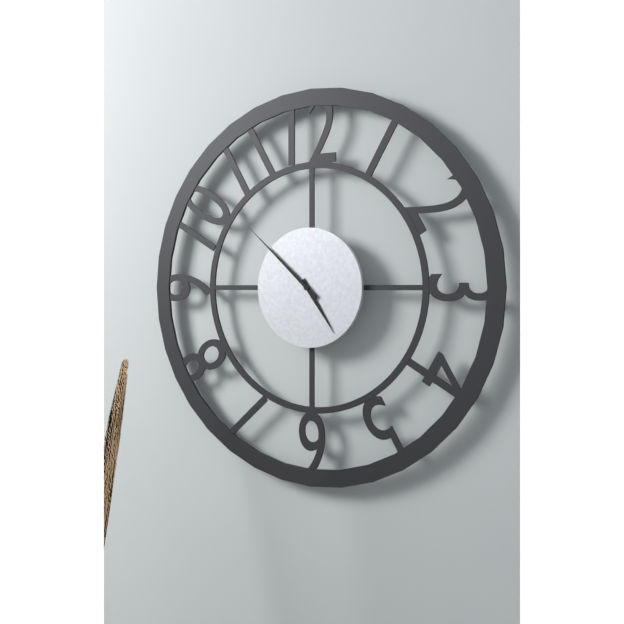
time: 4:52
